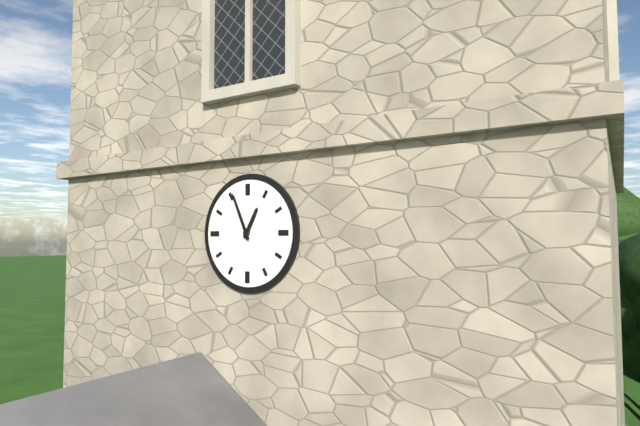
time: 12:56
